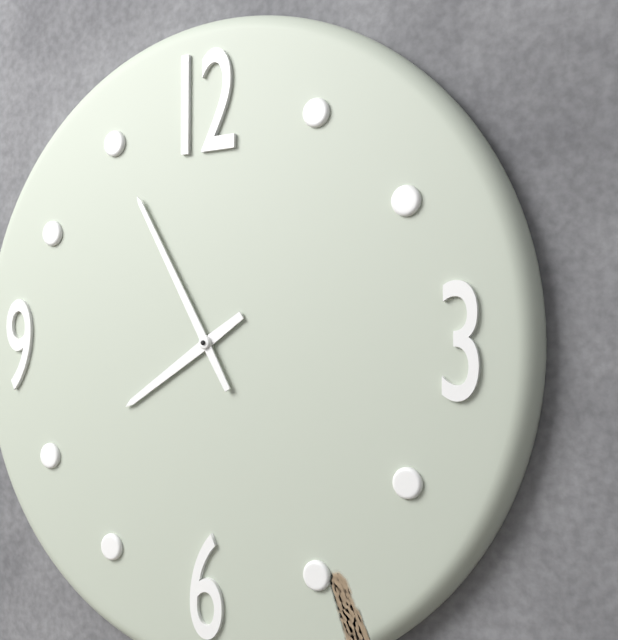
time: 7:55
